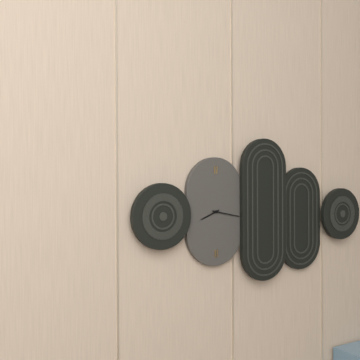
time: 8:17
